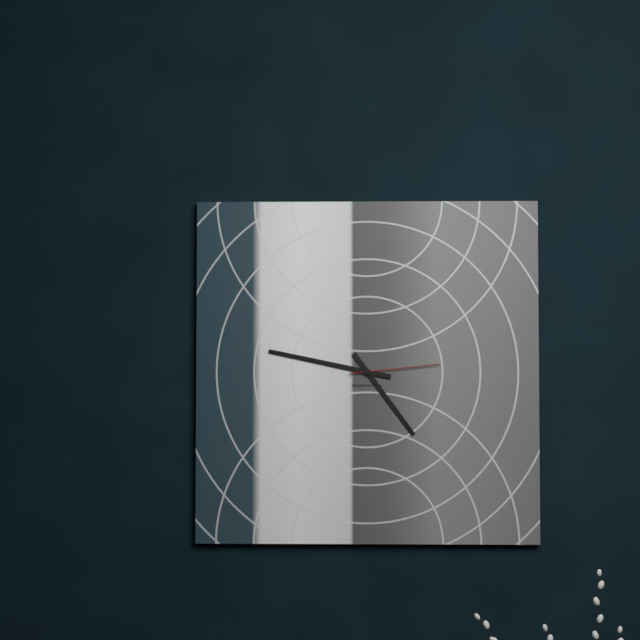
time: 4:47:14
